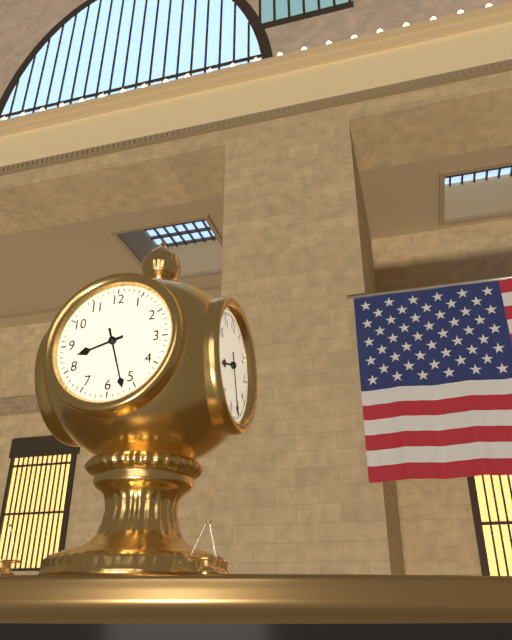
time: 8:27
